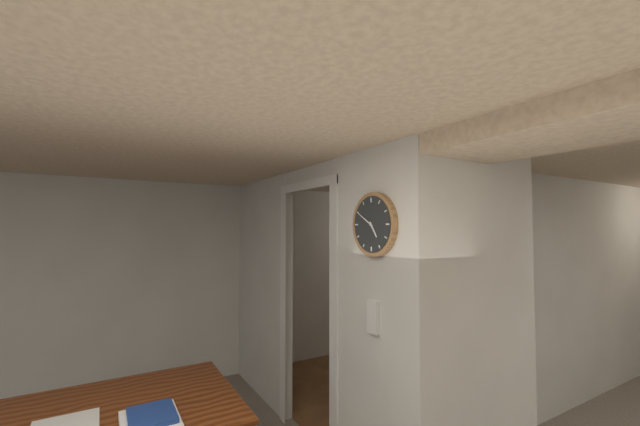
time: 4:50
